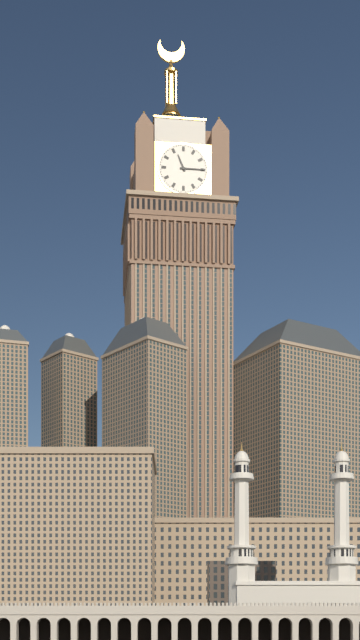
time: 11:15
